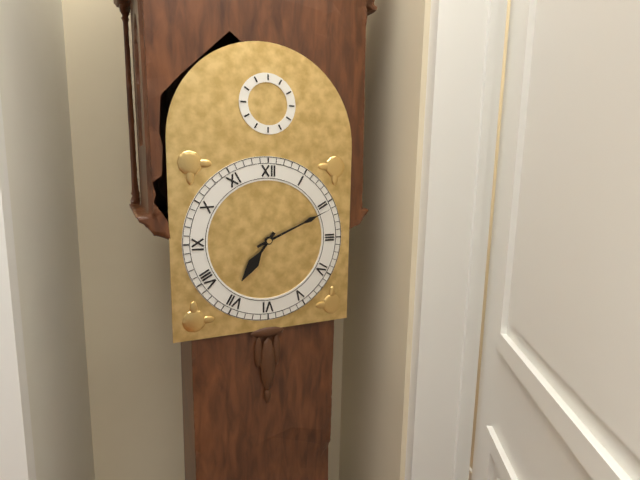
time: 7:11
